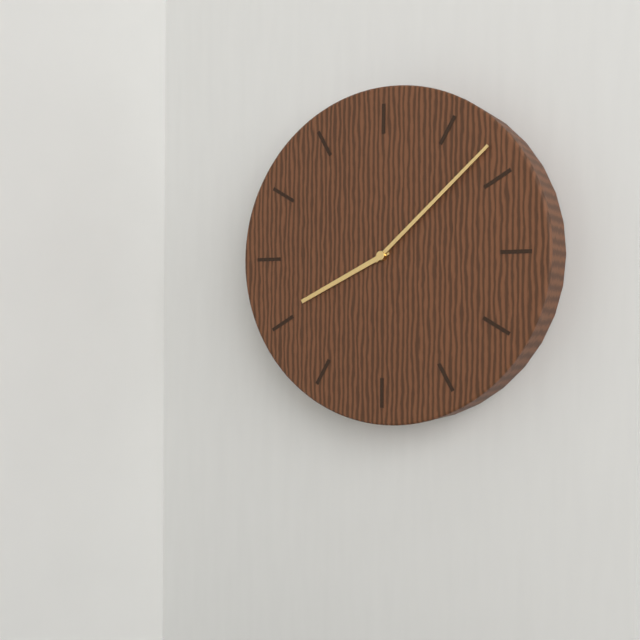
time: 8:08
